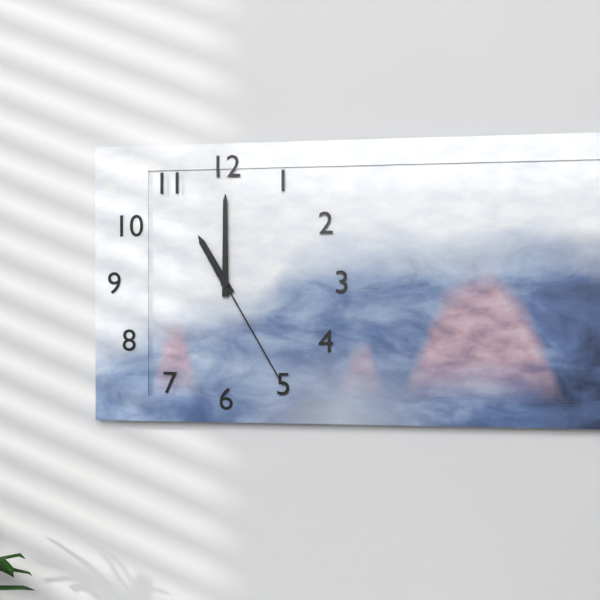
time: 11:00:25
